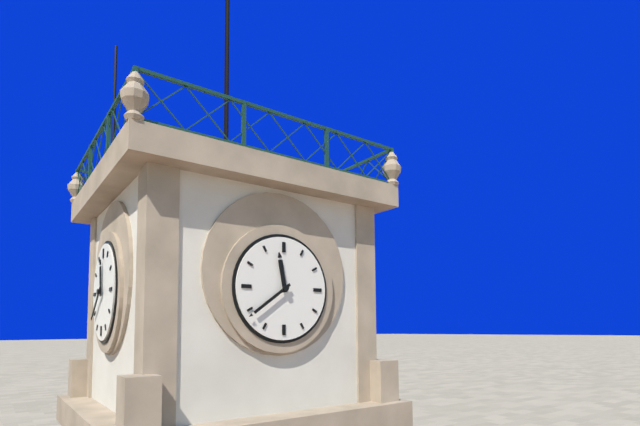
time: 11:39
